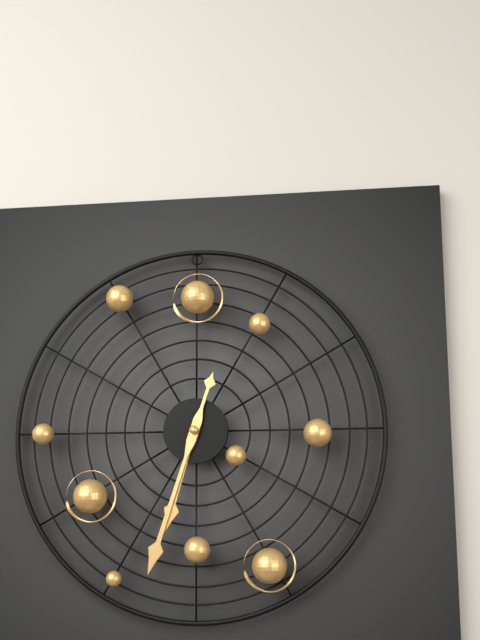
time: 6:33
